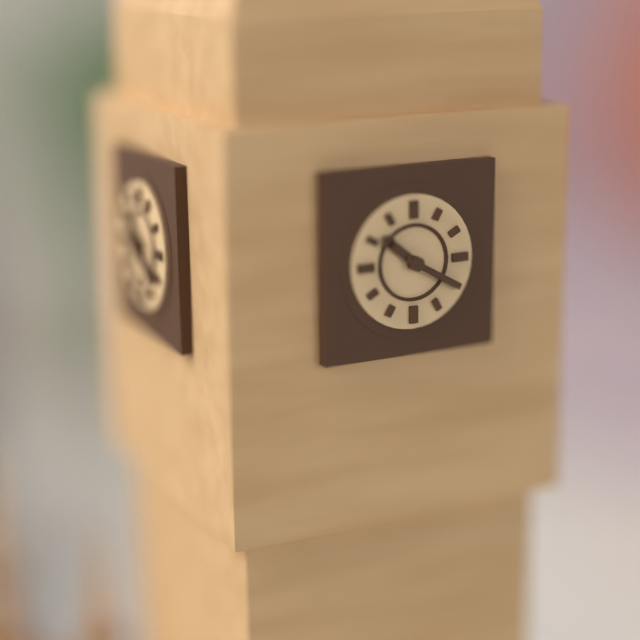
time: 10:20
